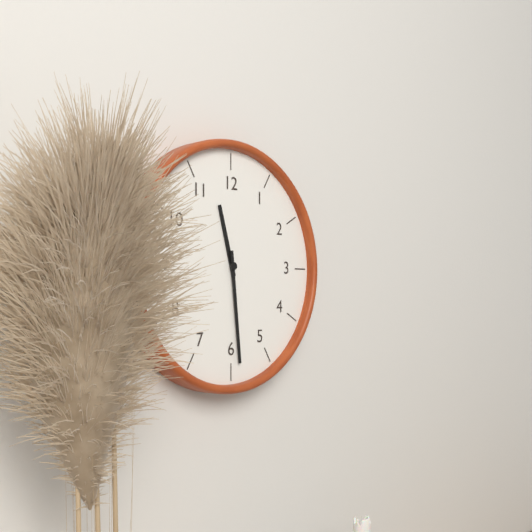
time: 11:29
